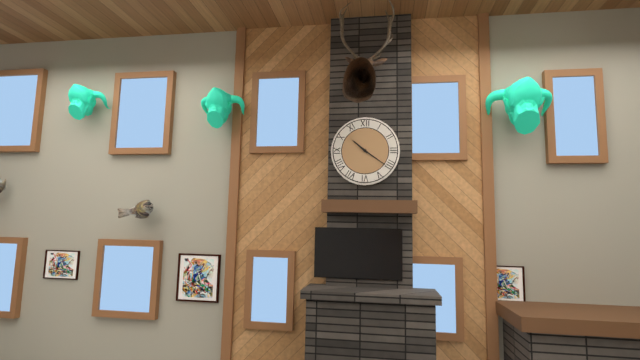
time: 10:21
